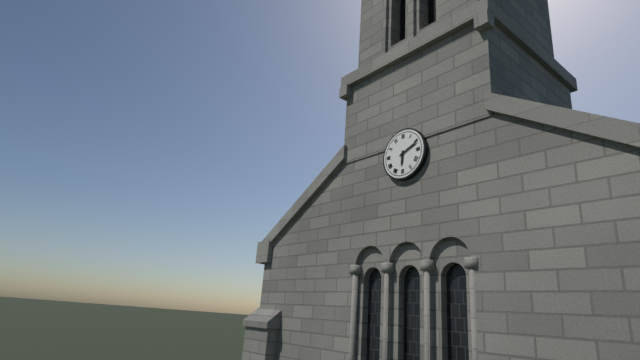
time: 6:11
